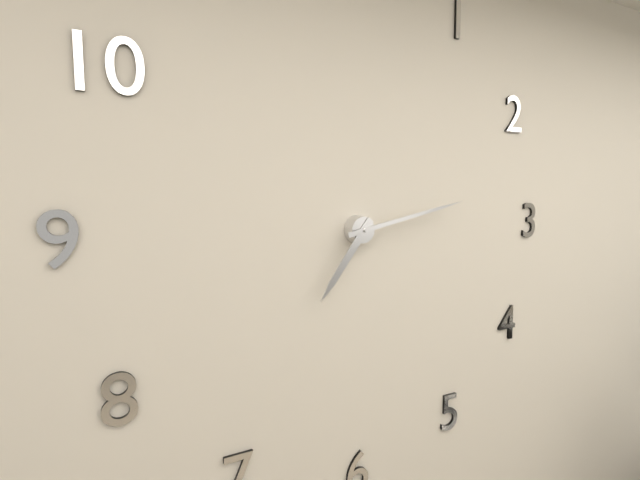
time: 7:13
